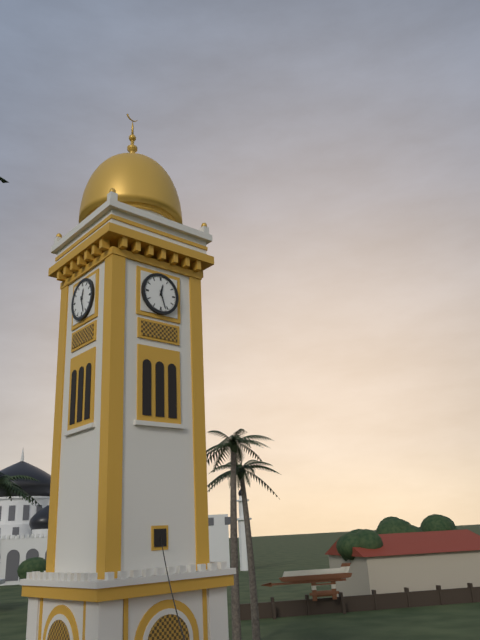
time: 12:27
